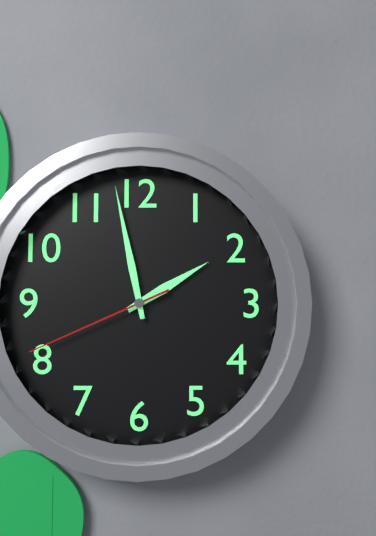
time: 1:58:41
